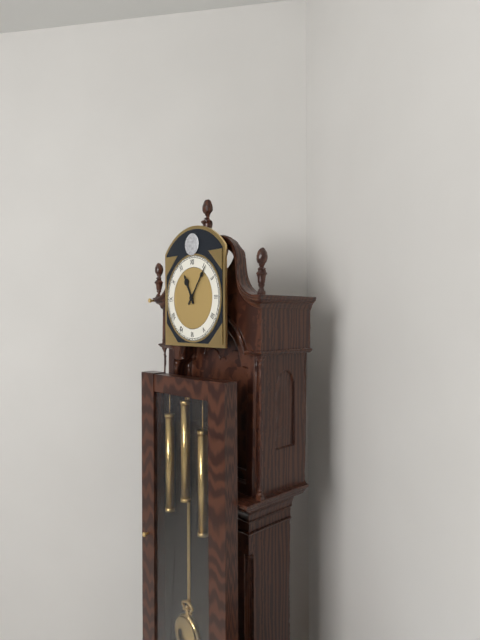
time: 11:06
